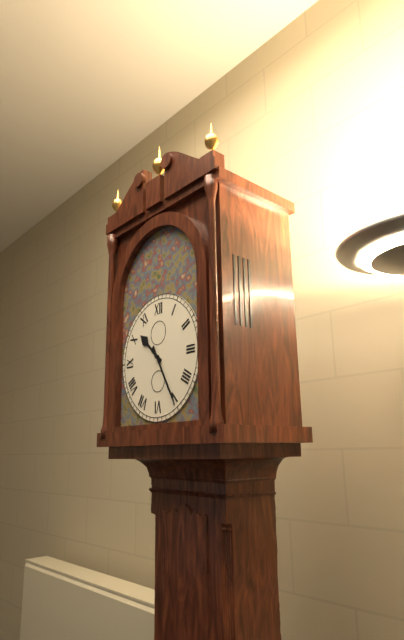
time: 10:25
